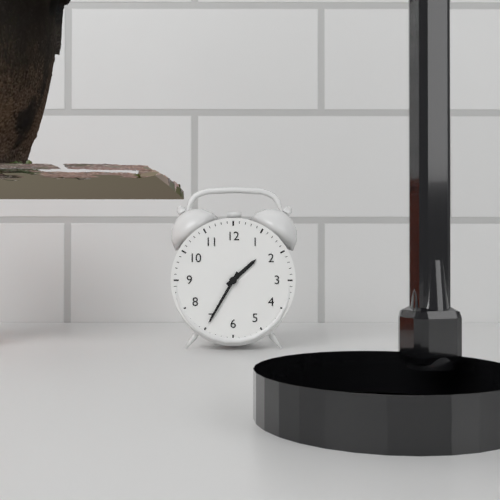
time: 1:35
